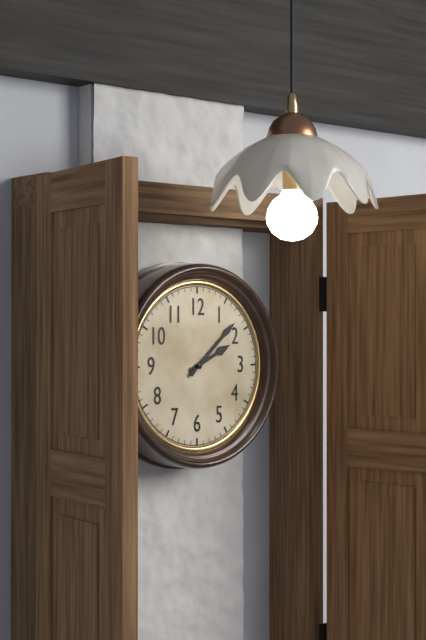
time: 2:08
